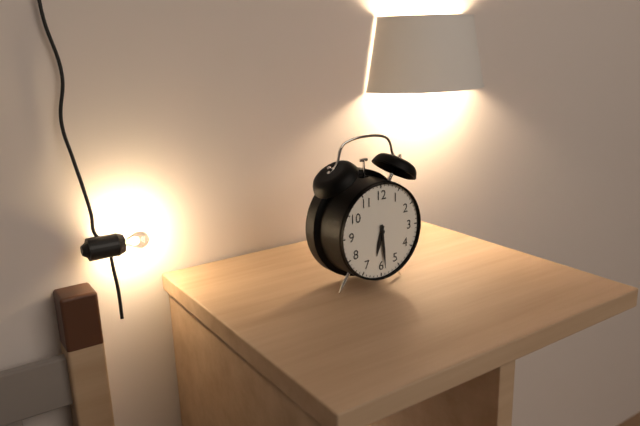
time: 6:29
